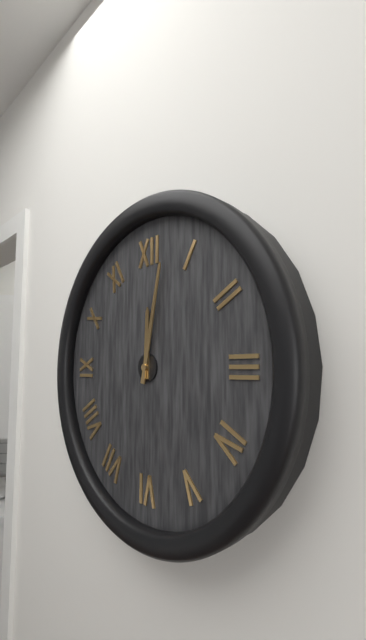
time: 12:02
